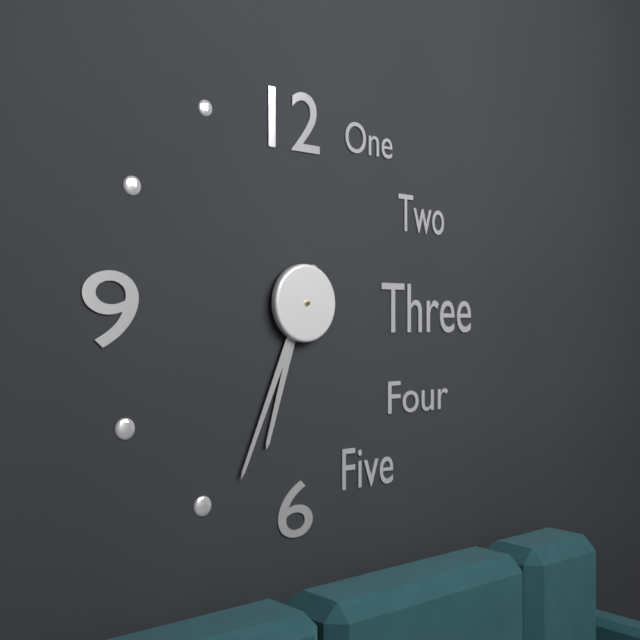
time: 6:34
